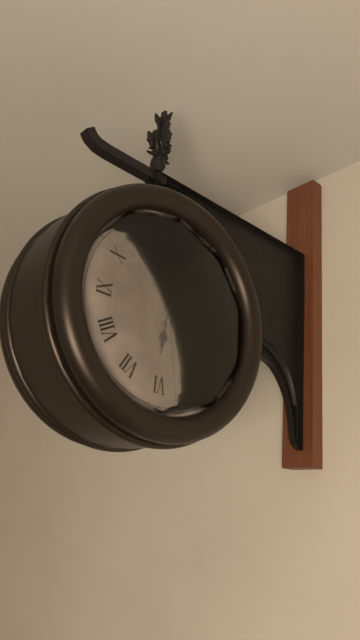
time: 6:09:28
